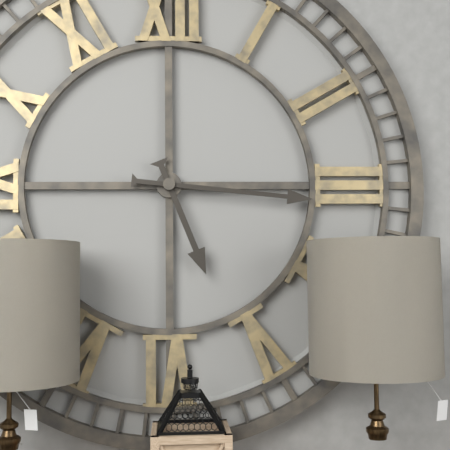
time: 5:16
